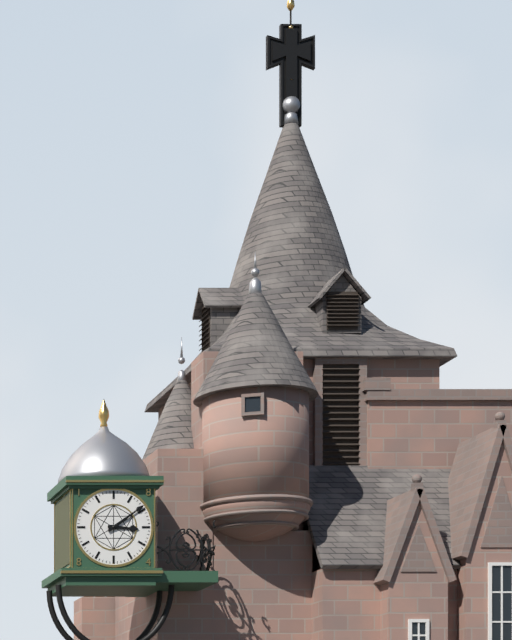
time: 3:09
